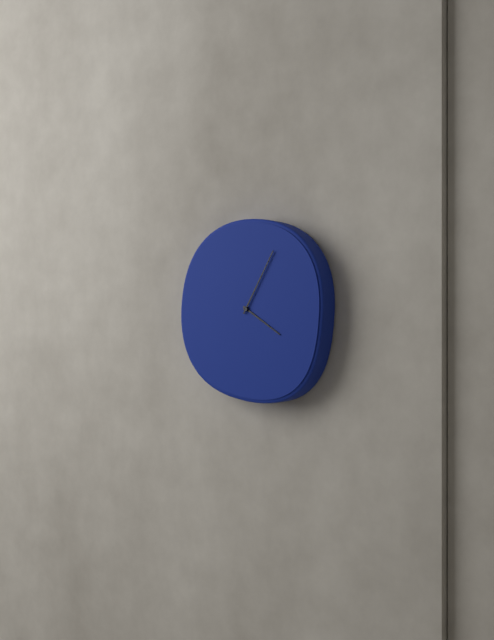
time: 4:05
